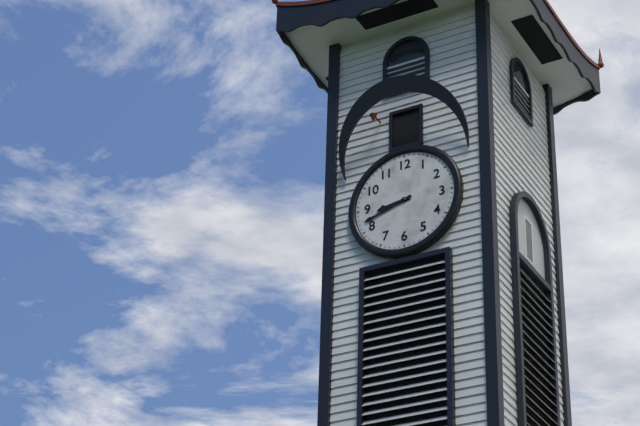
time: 8:42
